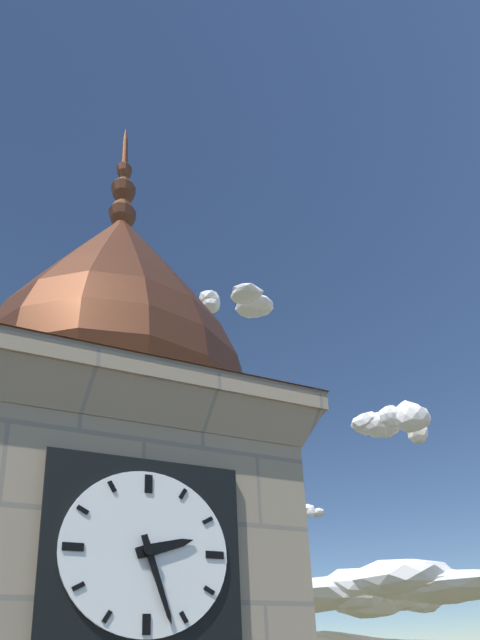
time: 2:27
